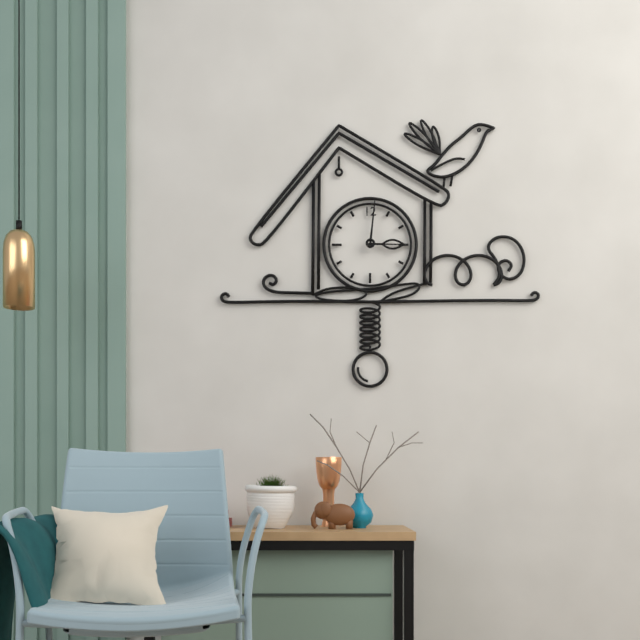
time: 3:01
